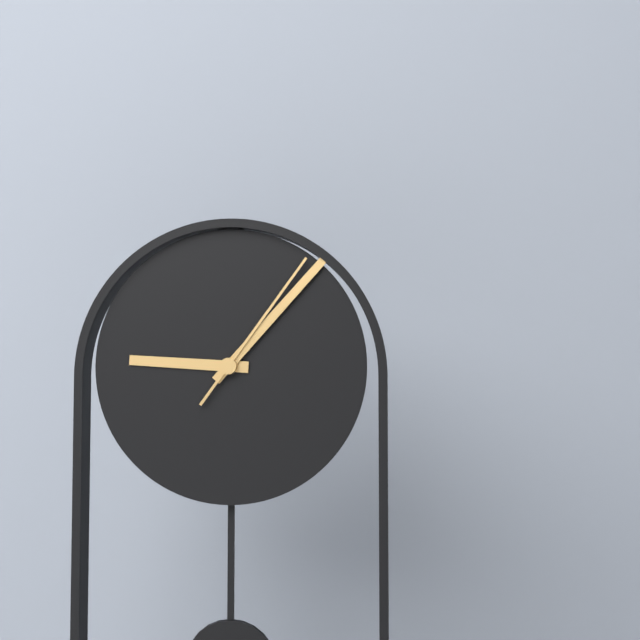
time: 9:07:06
